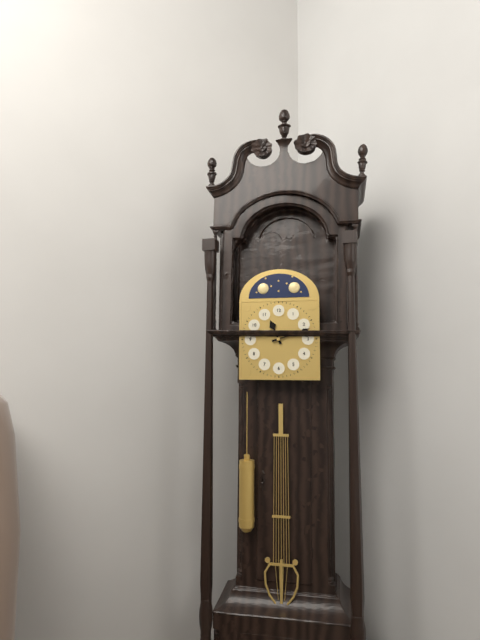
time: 11:12
